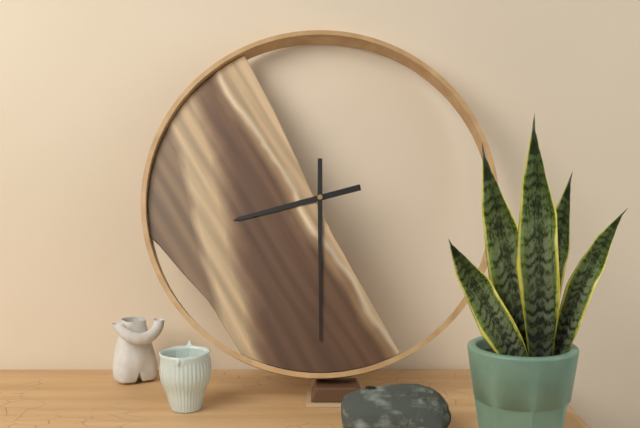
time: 8:30
